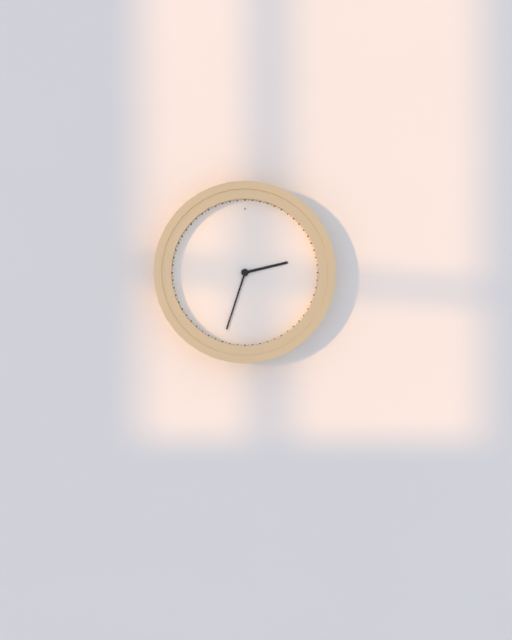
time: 2:33
